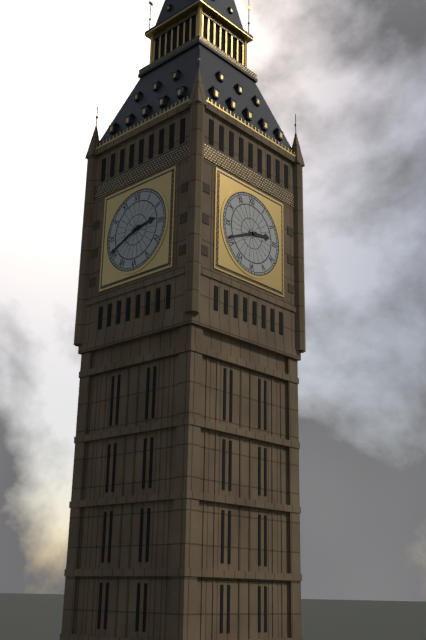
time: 2:41
